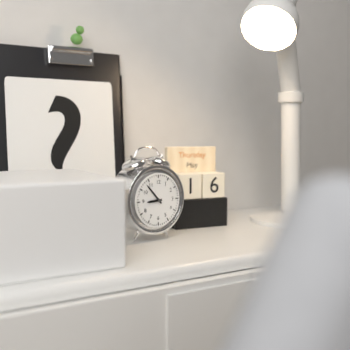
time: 8:53
